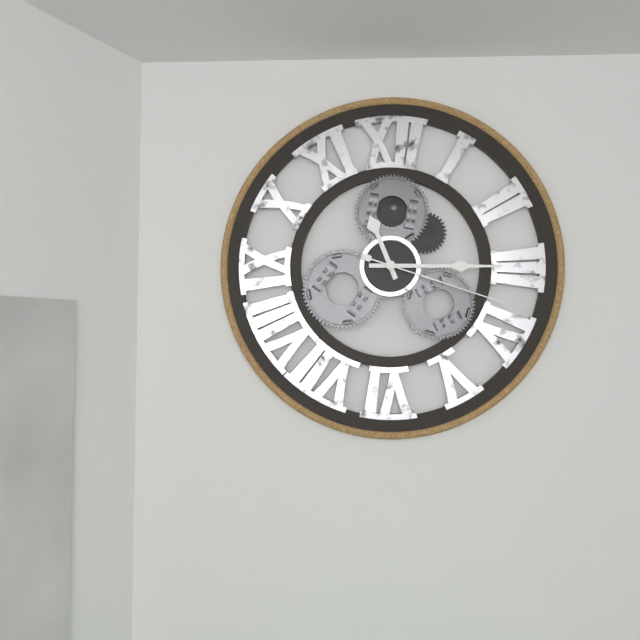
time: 11:15:18
